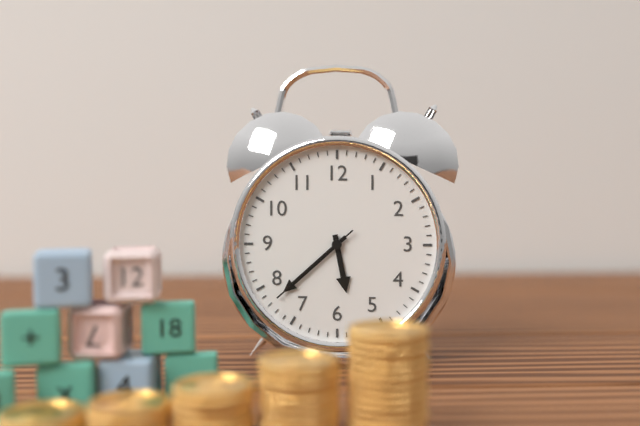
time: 5:38:38
